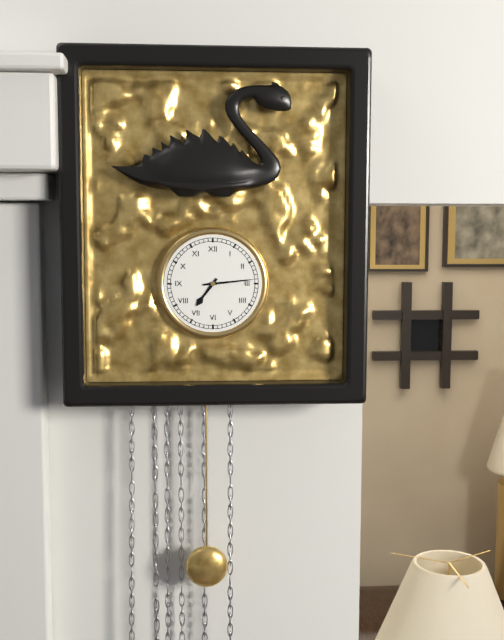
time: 7:14
